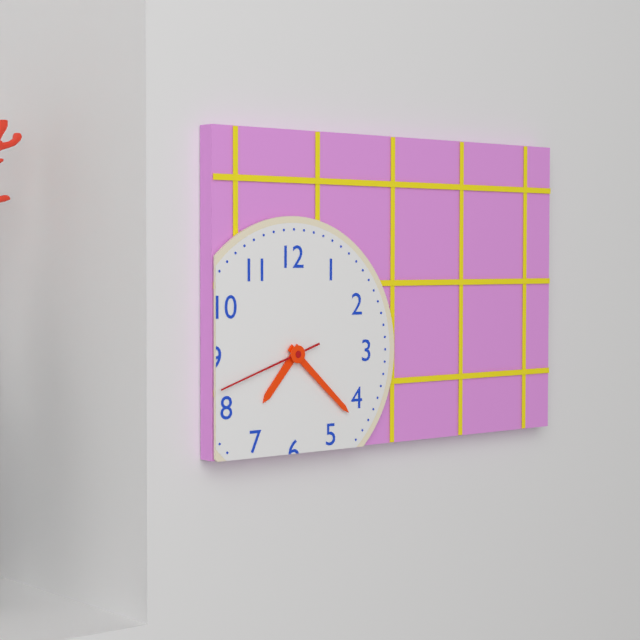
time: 7:22:42
